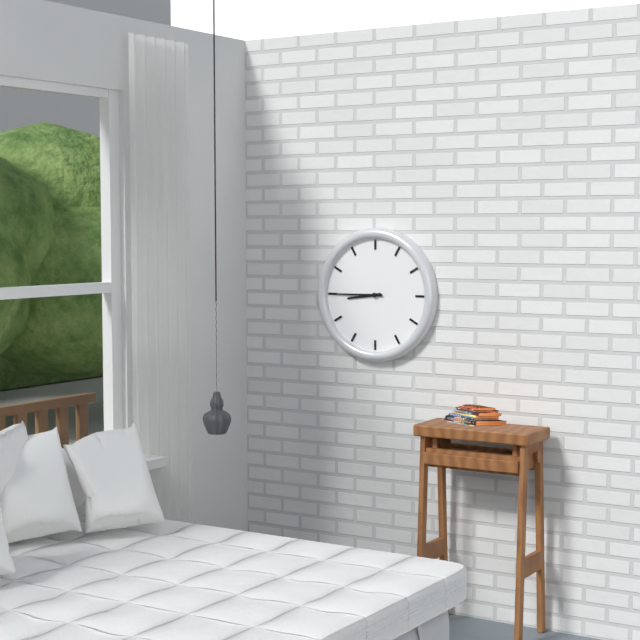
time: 8:45
